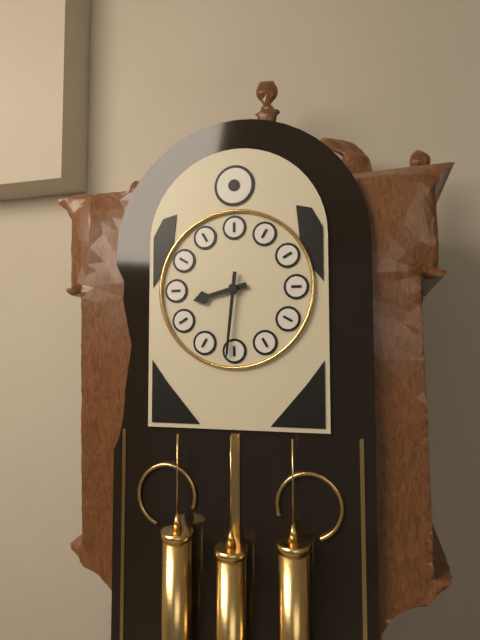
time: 8:31
